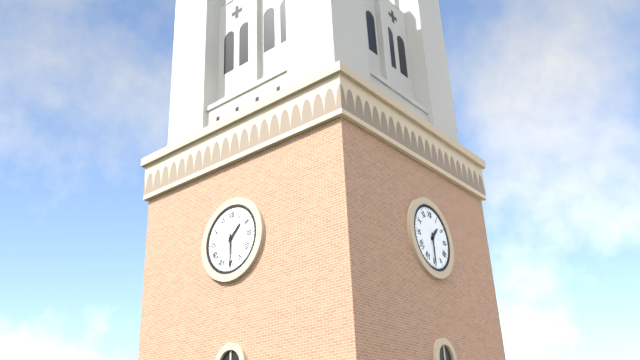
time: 1:30
